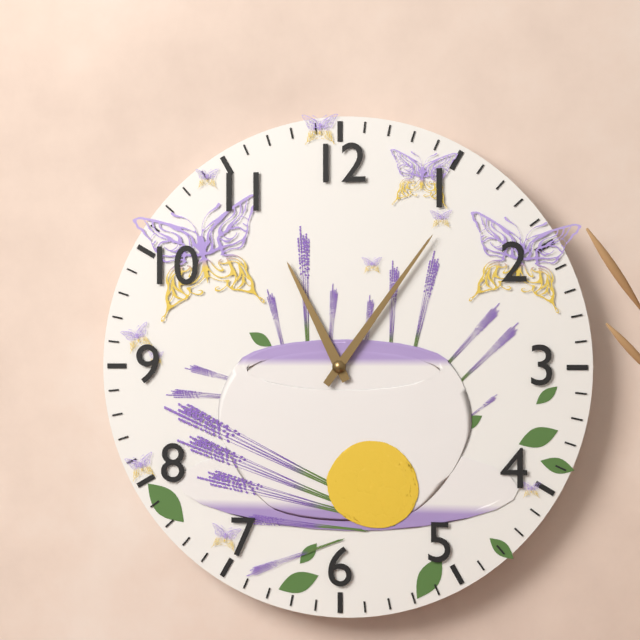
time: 11:06
